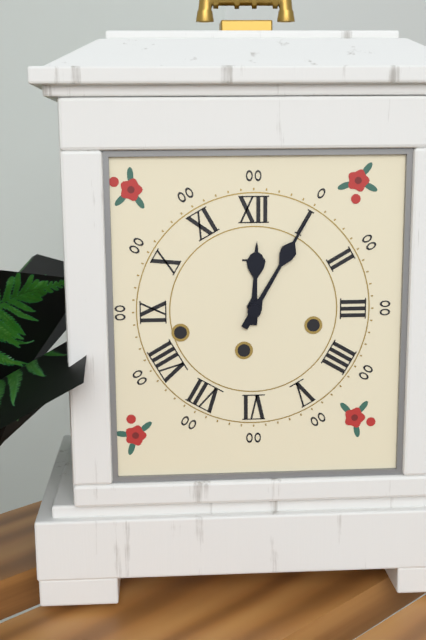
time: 12:05
